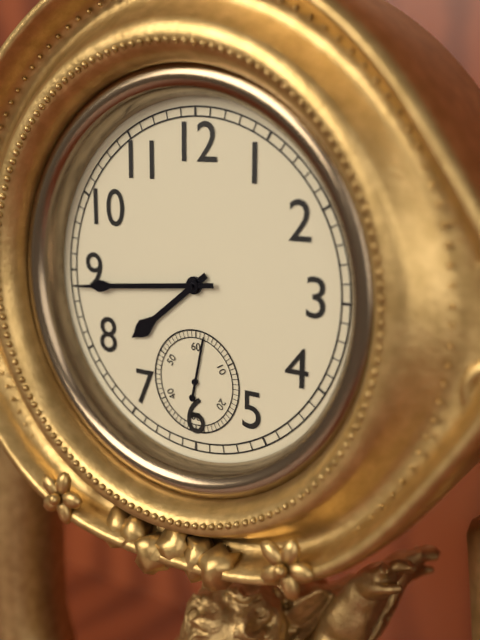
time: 7:44:02
